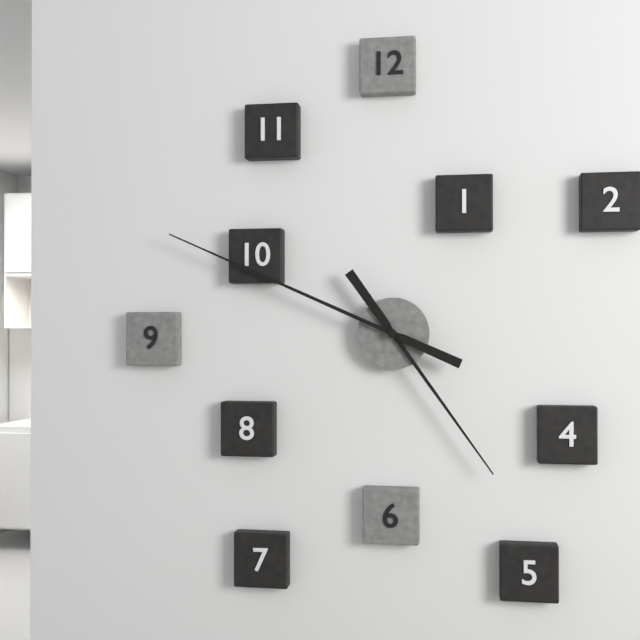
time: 4:49
